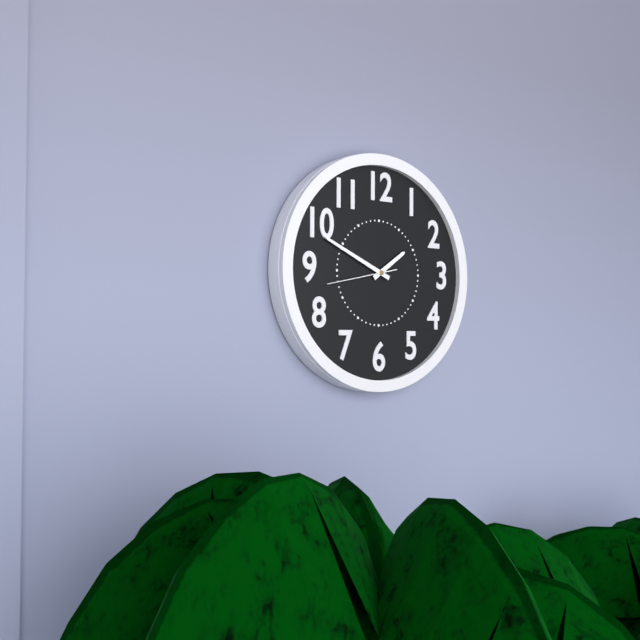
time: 1:49:43
